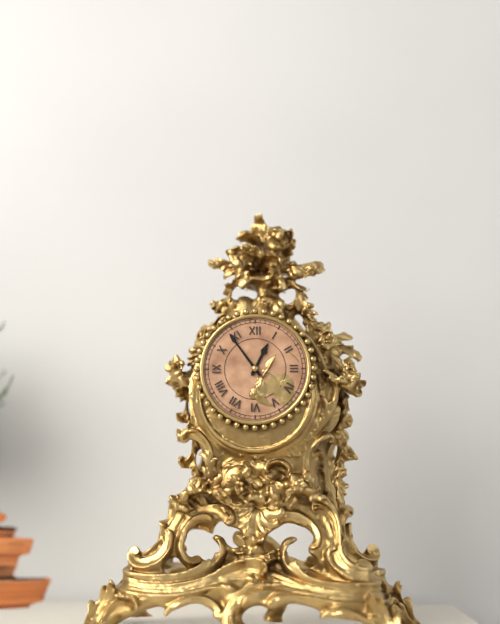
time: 12:54
